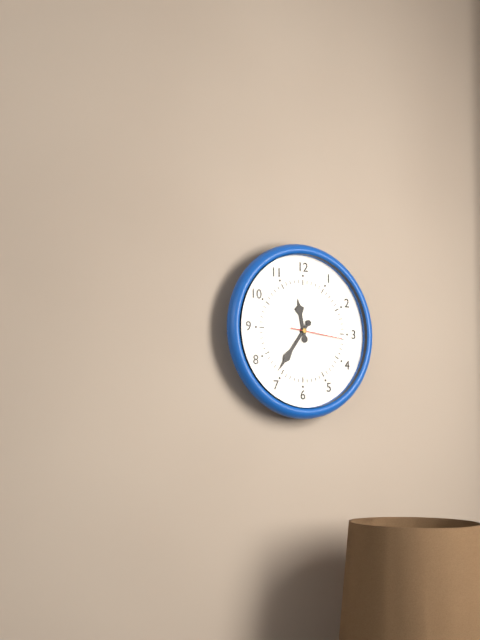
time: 11:36
